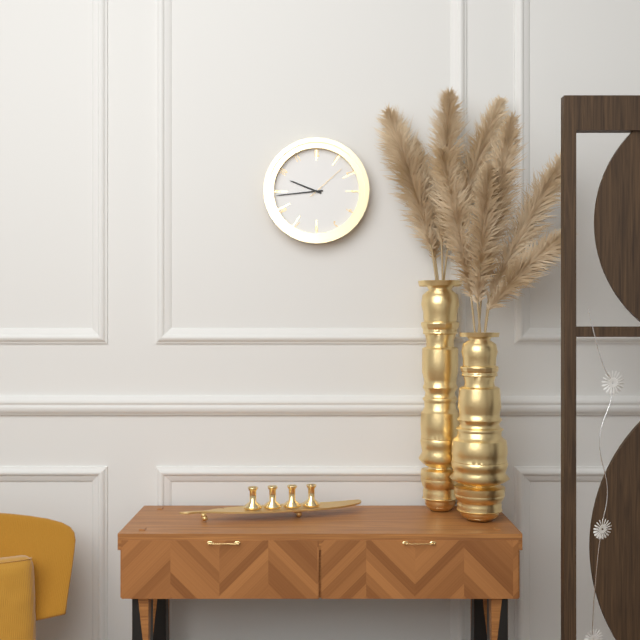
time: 9:44
